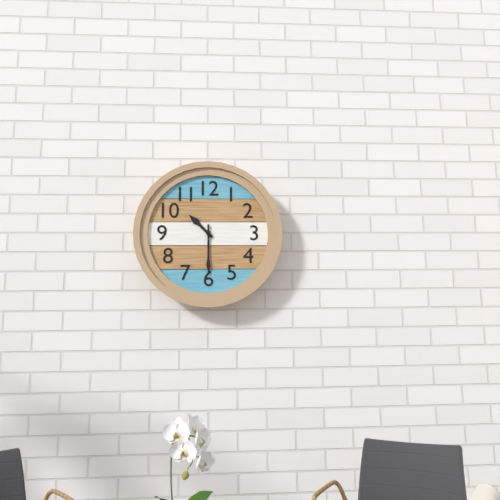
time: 10:30
